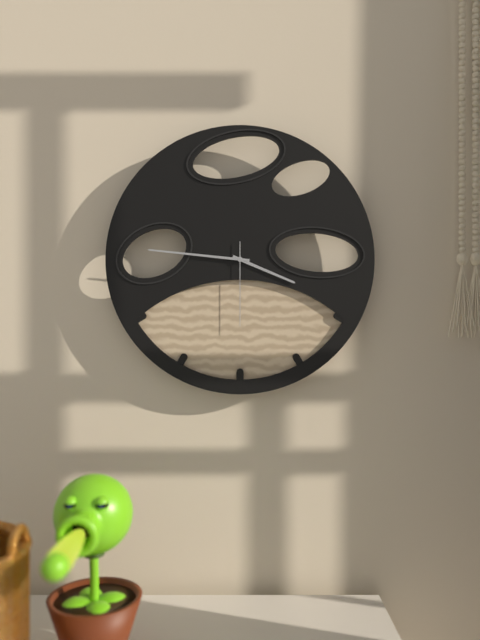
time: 3:46:30
